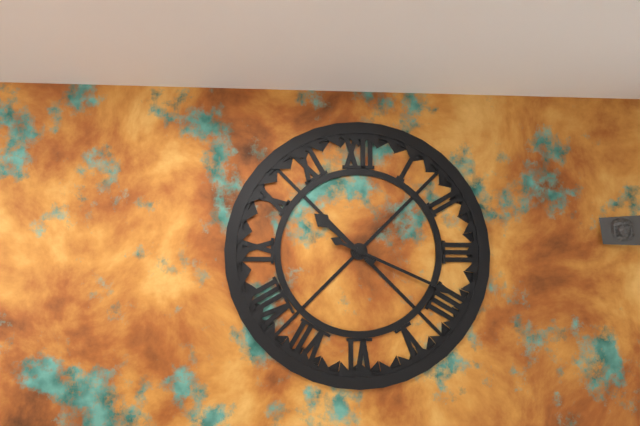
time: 10:19
